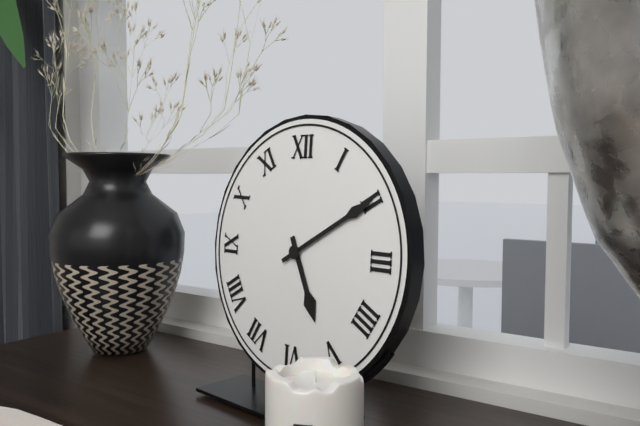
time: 5:10
